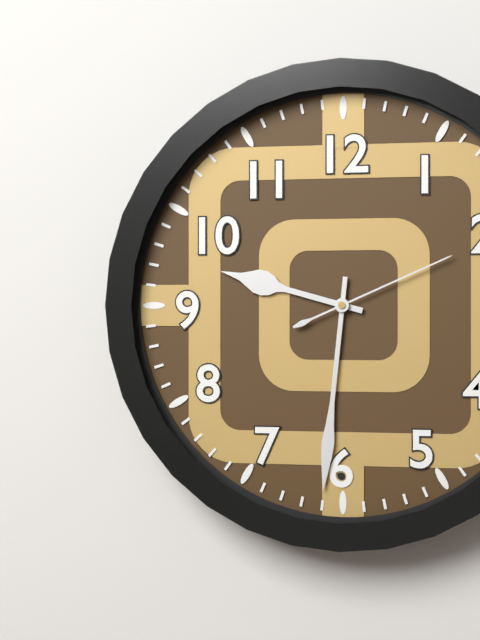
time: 9:31:11
